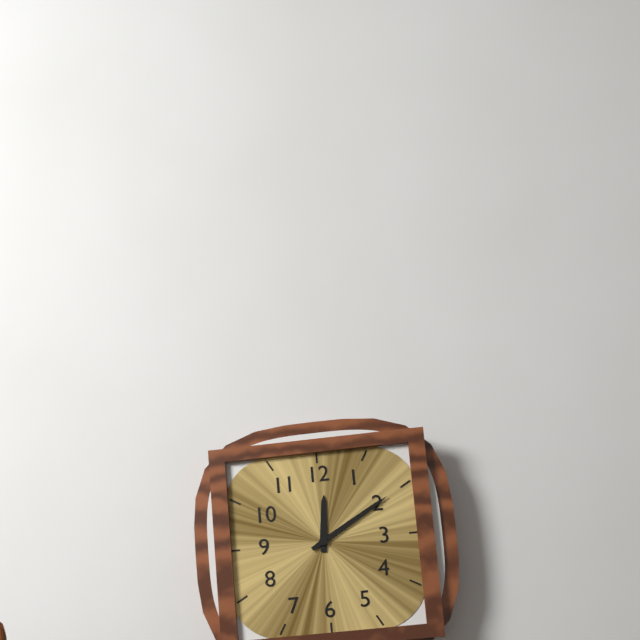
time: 12:10
